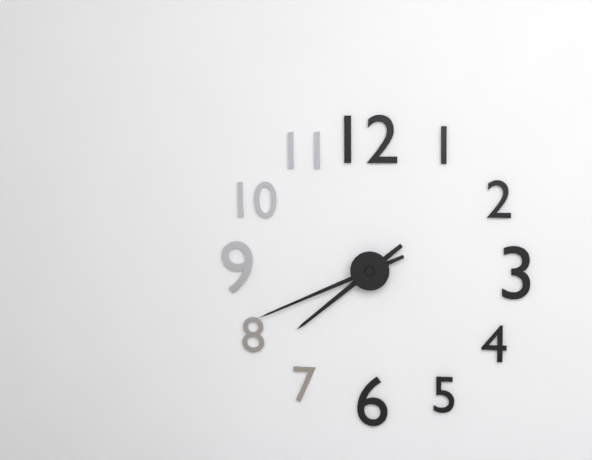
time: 7:41
